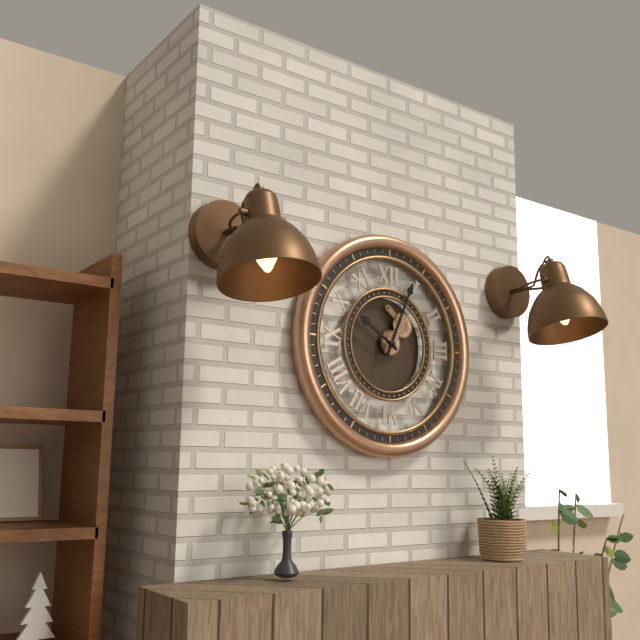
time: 10:04
